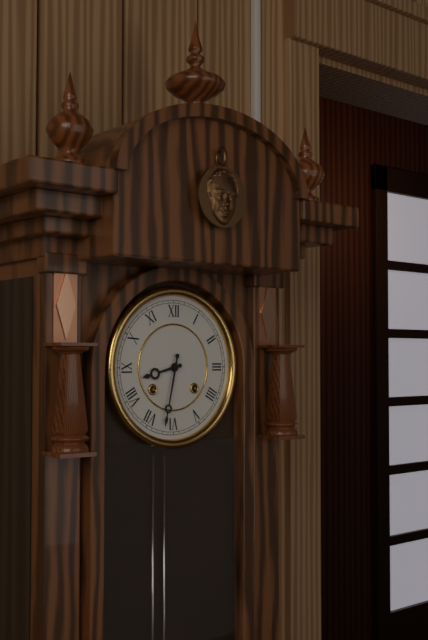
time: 8:32
